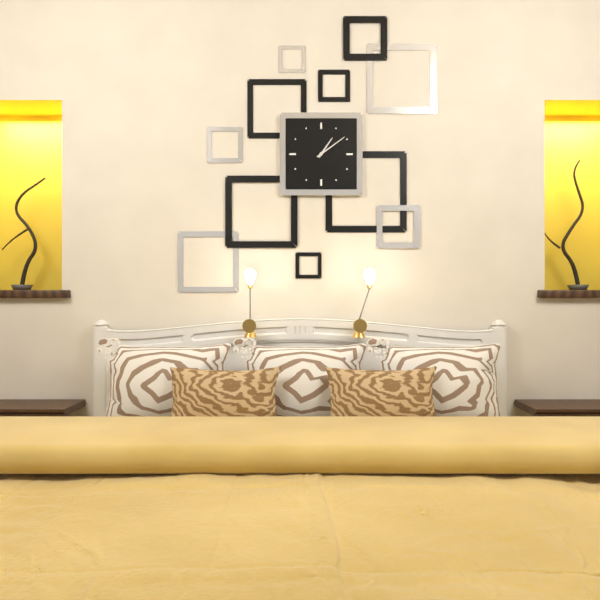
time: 1:09
